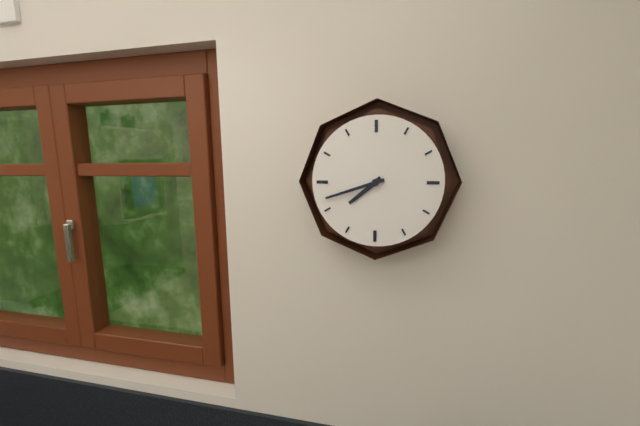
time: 7:42
